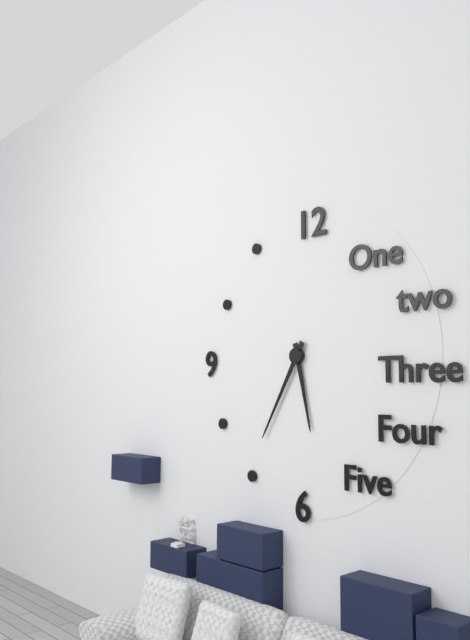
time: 5:35
